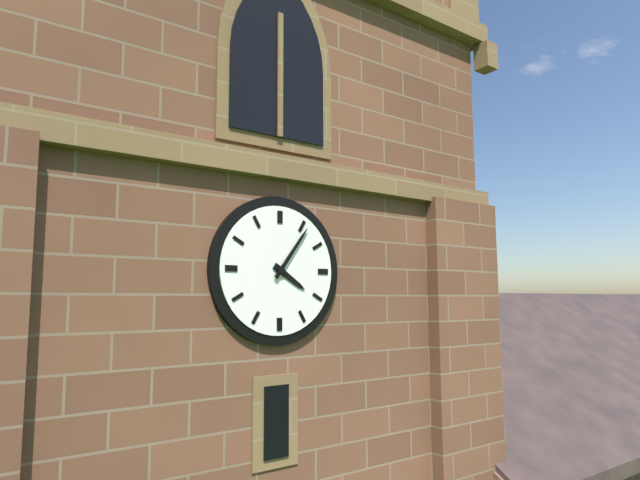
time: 4:06
